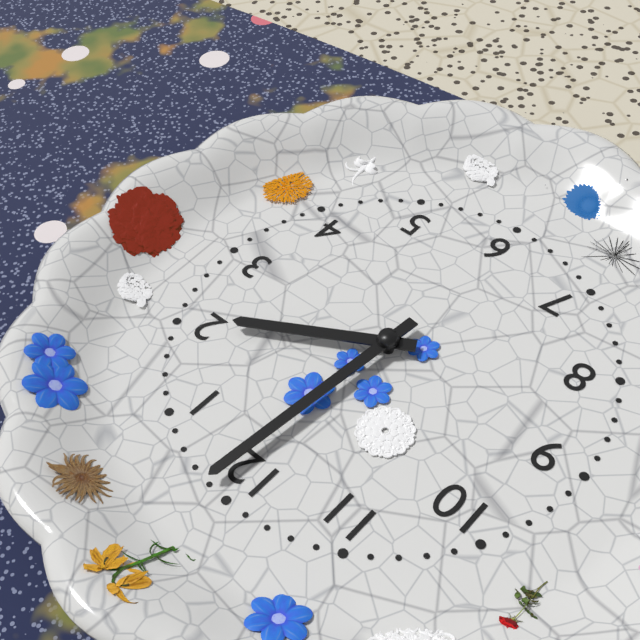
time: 2:01
